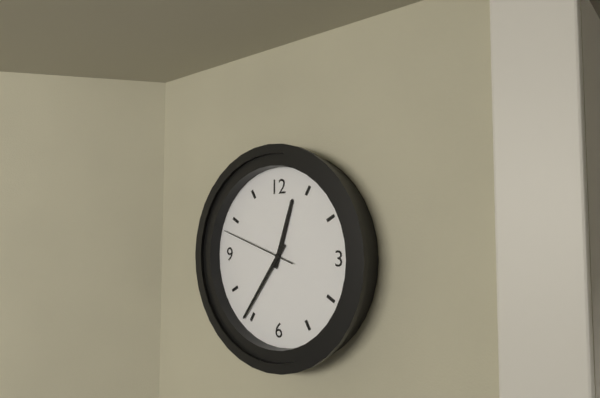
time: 12:36:48
